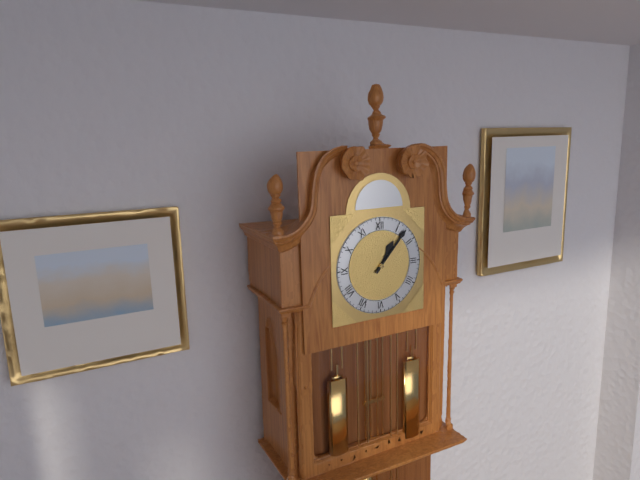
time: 1:07
